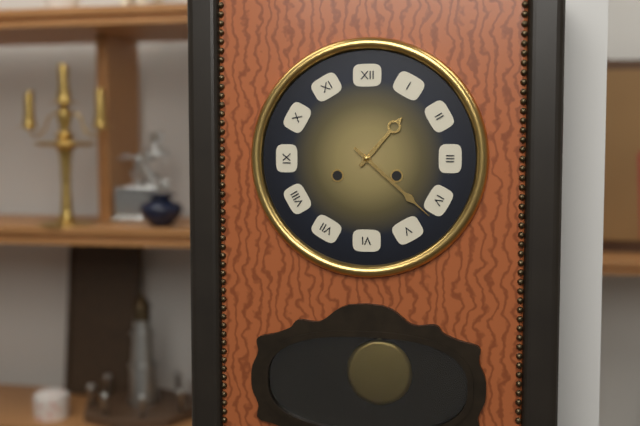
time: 1:22
